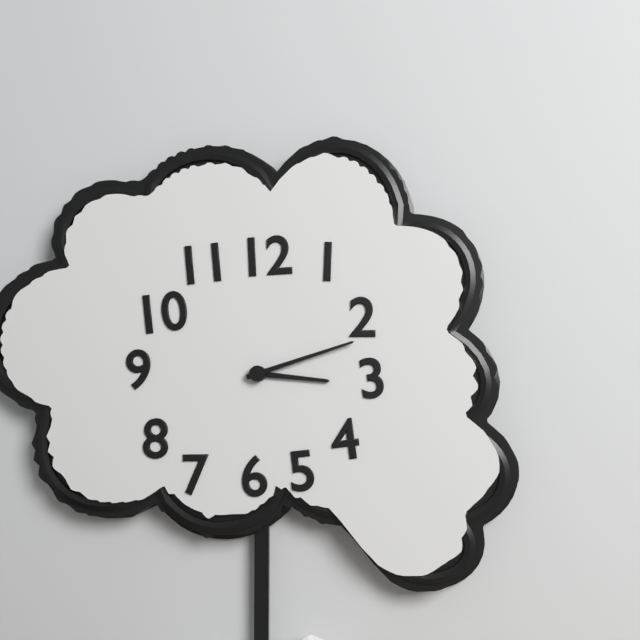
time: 3:12
